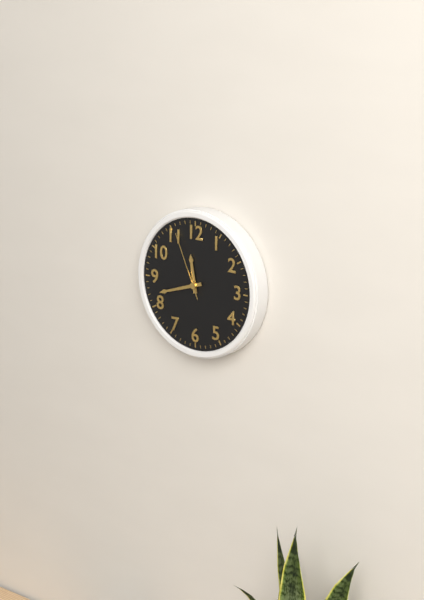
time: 11:42:56
